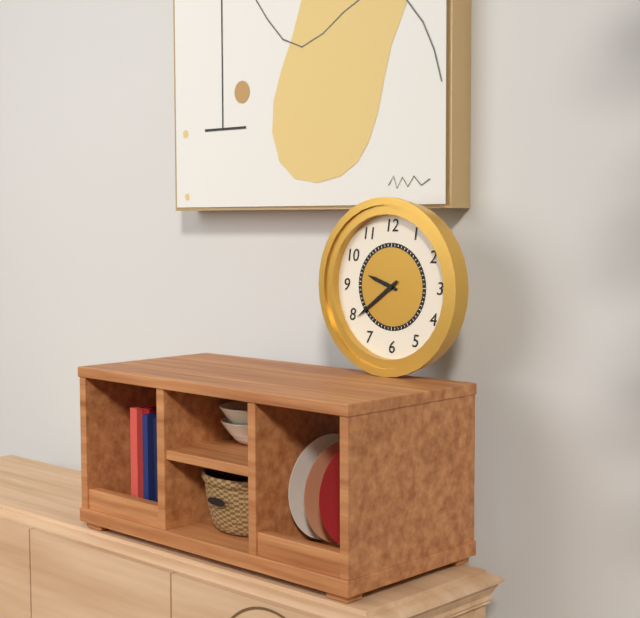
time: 9:39
